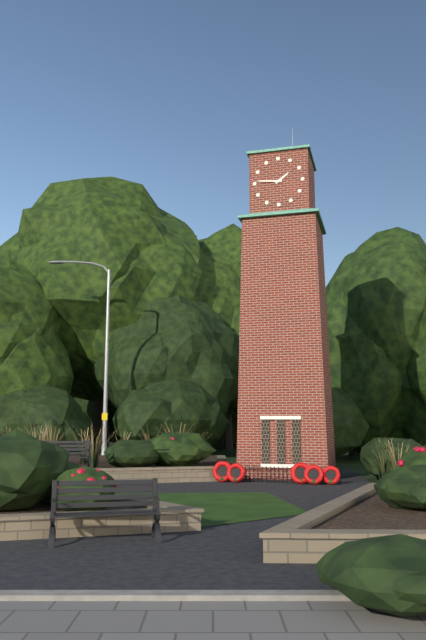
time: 1:46
